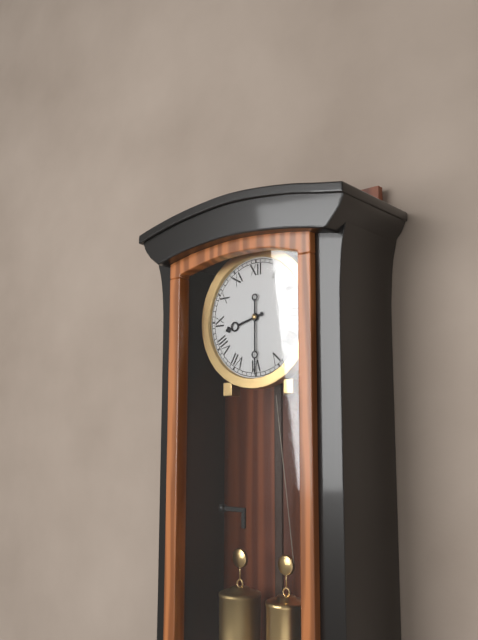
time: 8:30
